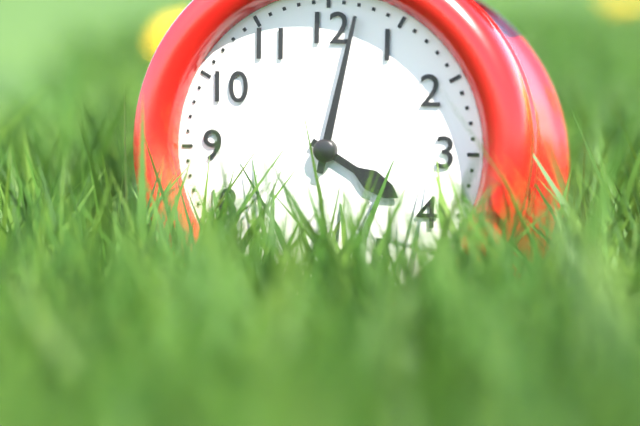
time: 4:02
